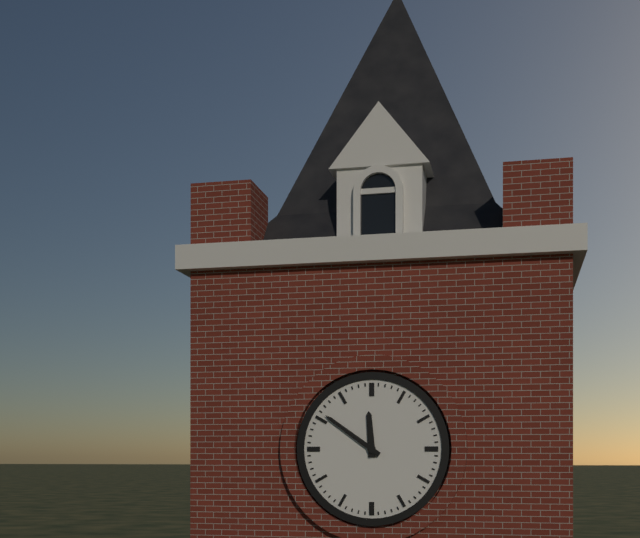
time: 11:51
